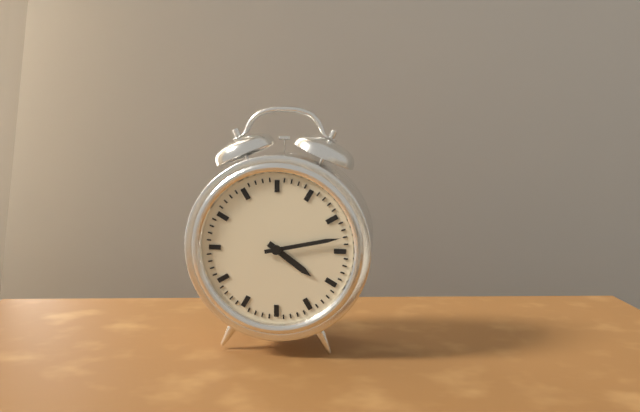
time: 4:13
